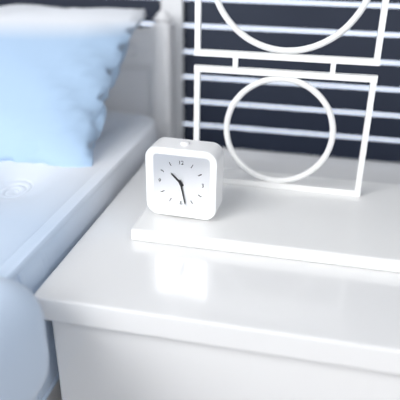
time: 10:28
